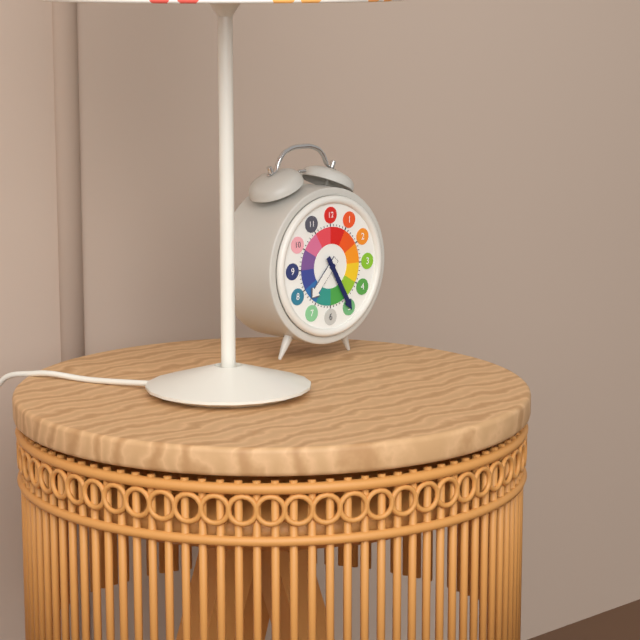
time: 7:25
